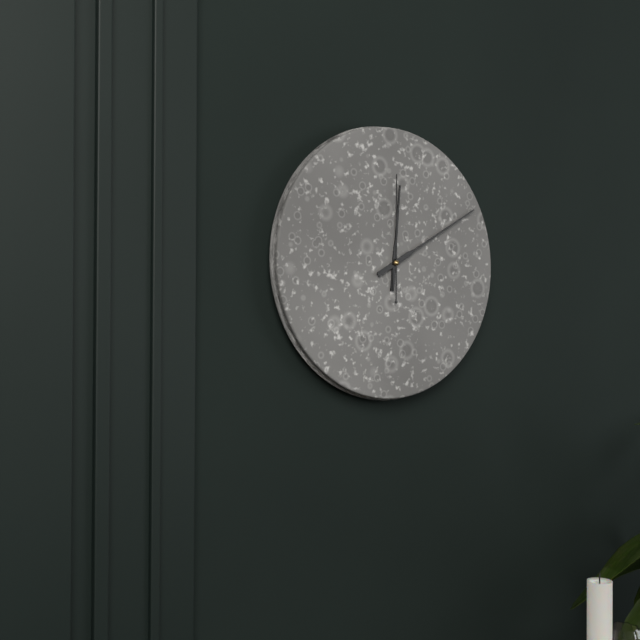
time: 12:10:00
